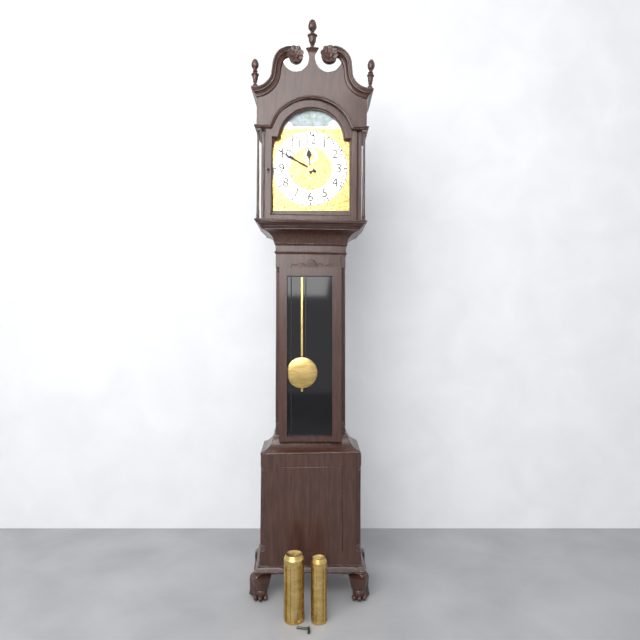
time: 11:50
